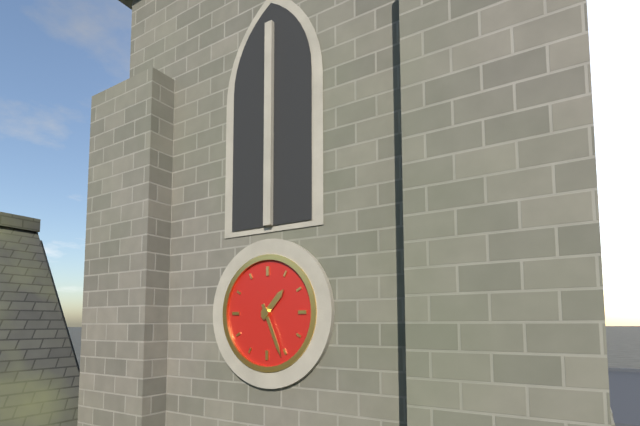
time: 1:26
